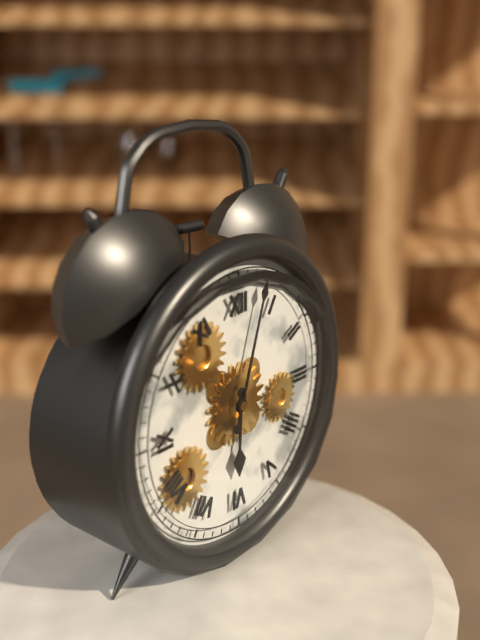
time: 6:03
